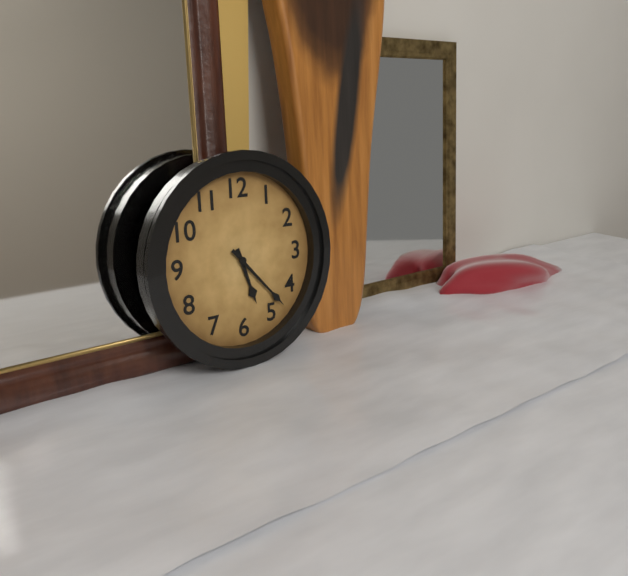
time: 5:23
